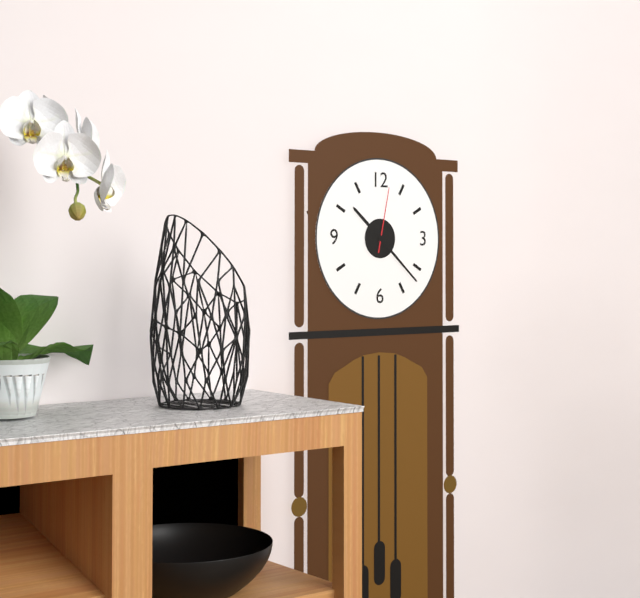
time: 10:22:02
